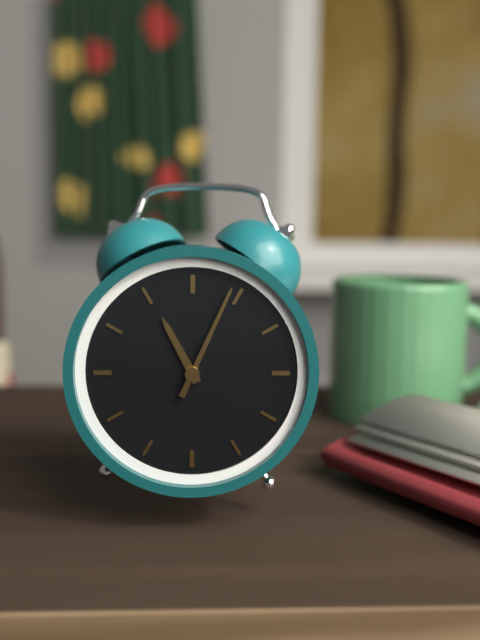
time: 11:04
